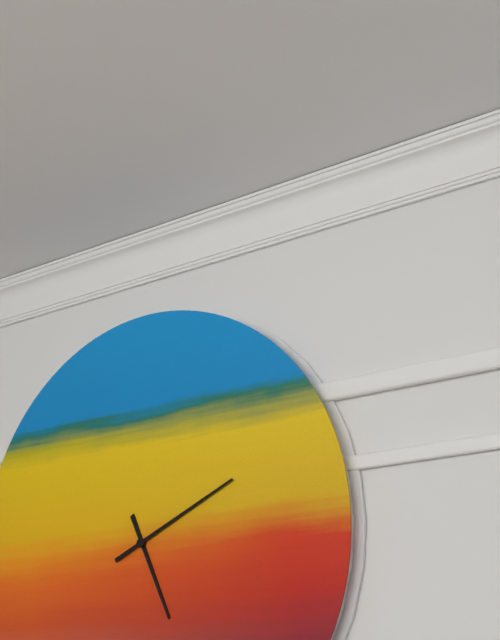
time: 5:11
